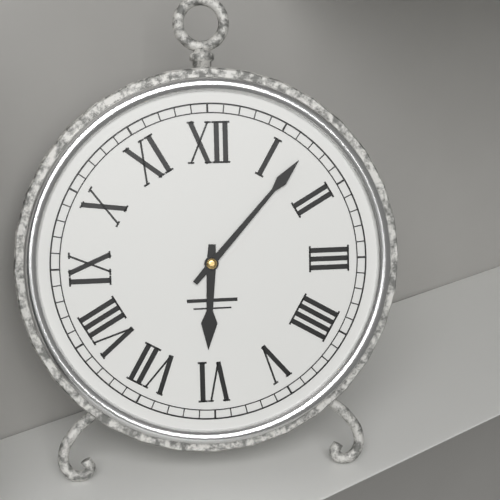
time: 6:07
